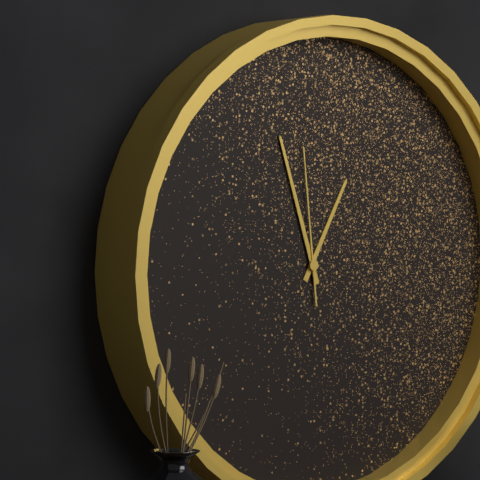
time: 12:57:59
